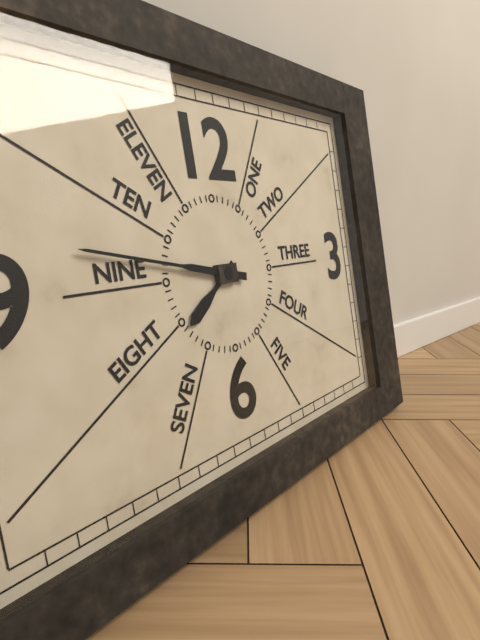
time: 7:47
